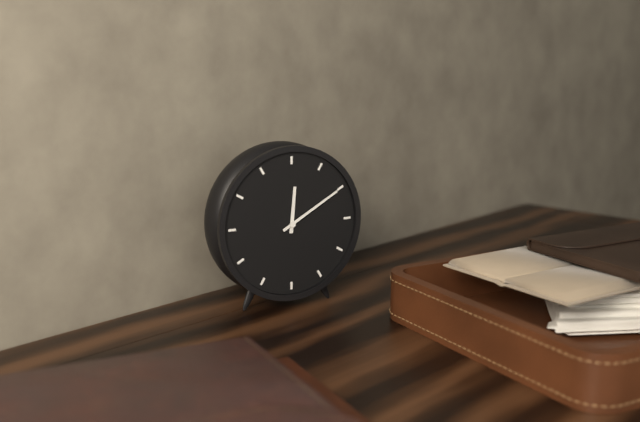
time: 12:10
